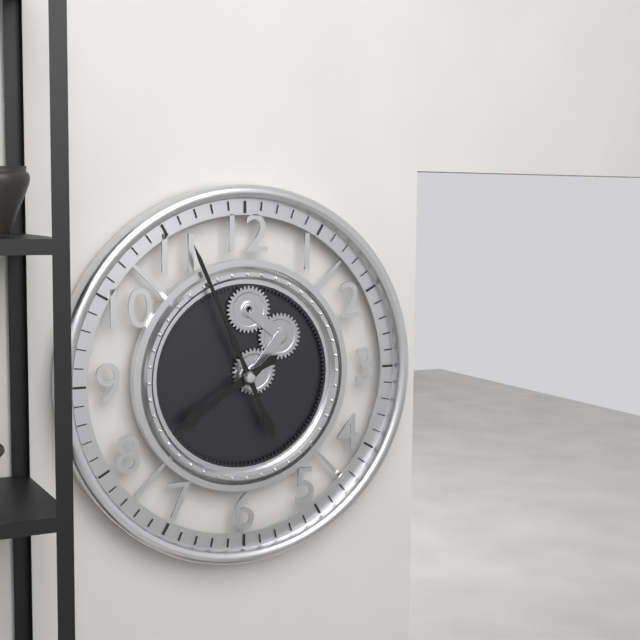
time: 7:56
